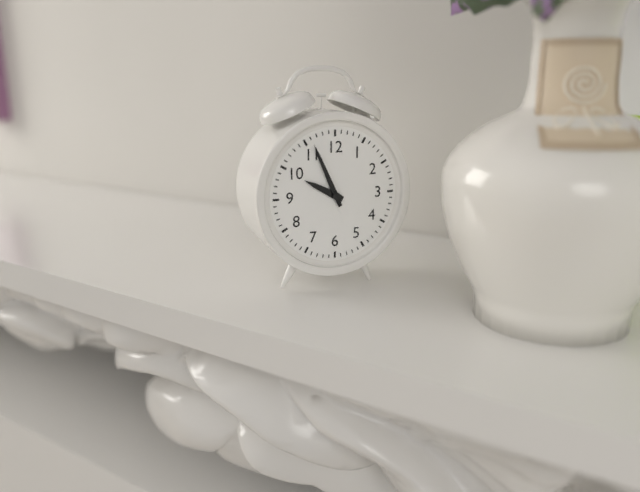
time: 9:56
